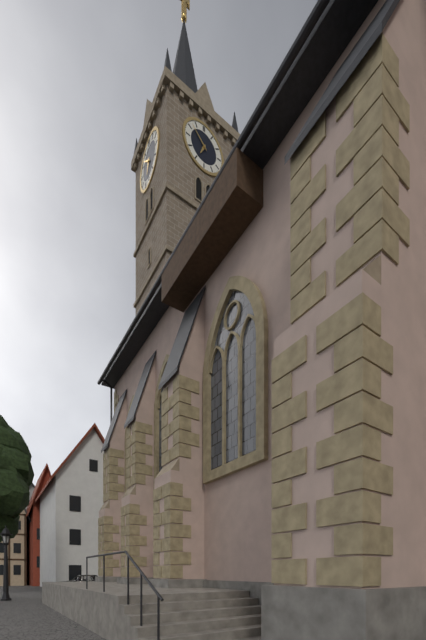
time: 6:52
